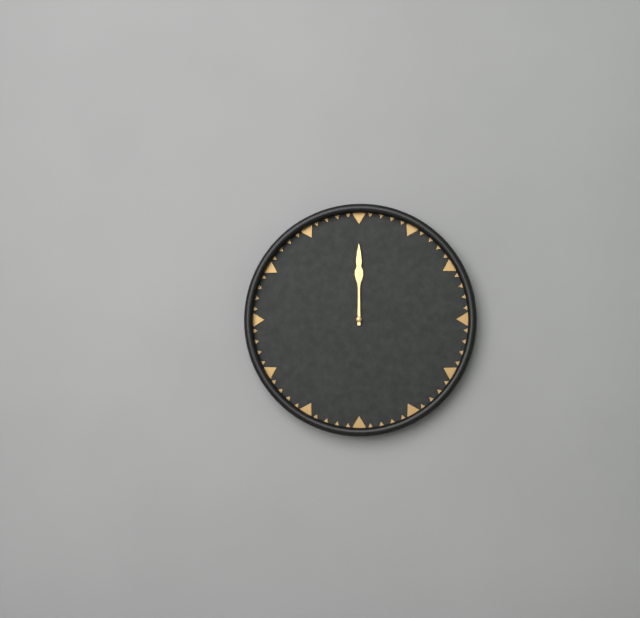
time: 12:00
